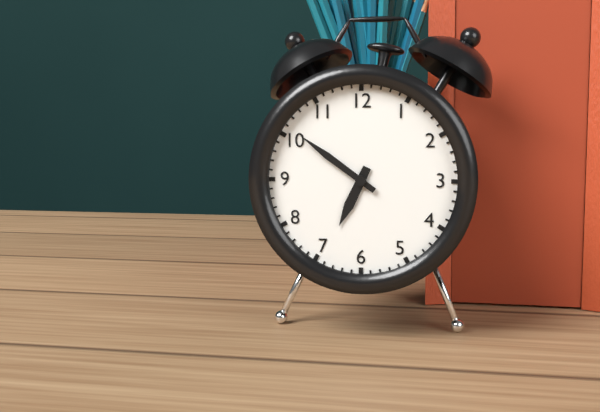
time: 6:51
